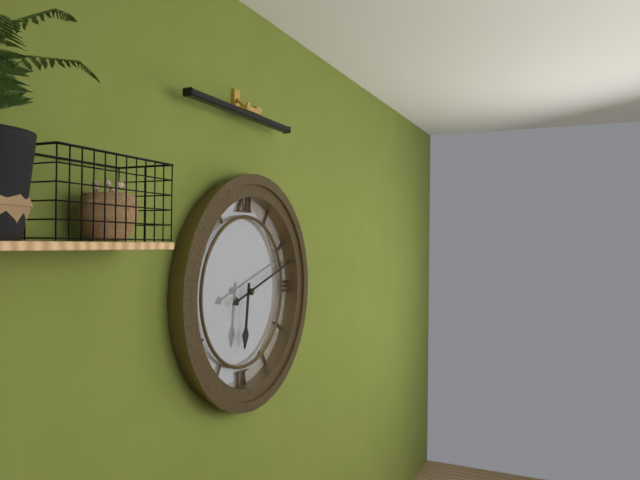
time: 6:12
